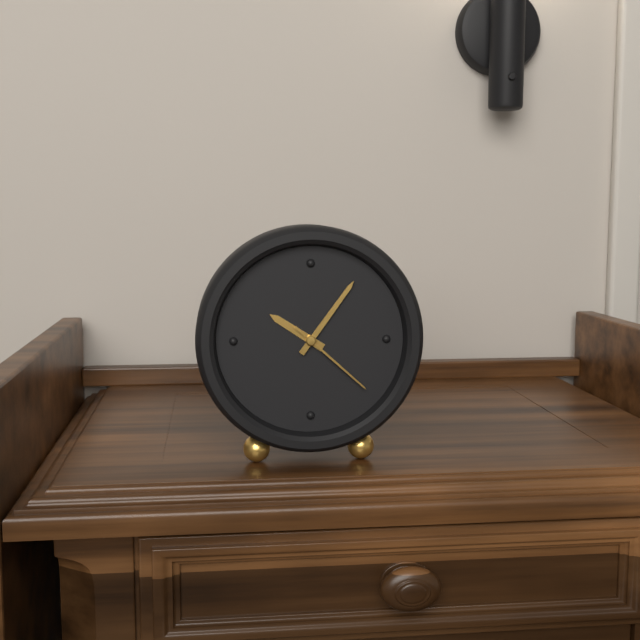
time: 10:06:22
